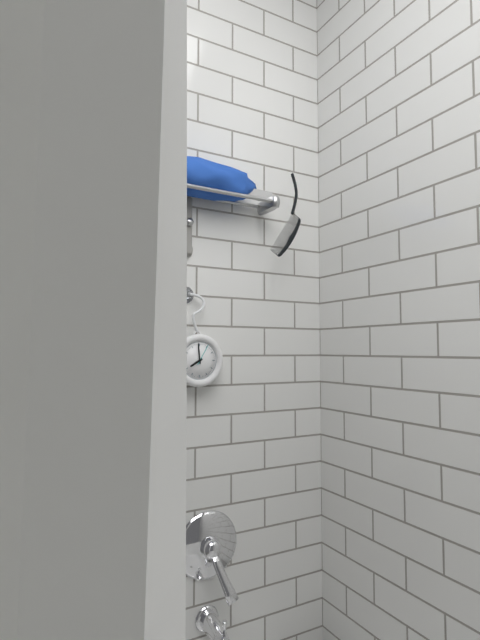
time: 7:59
